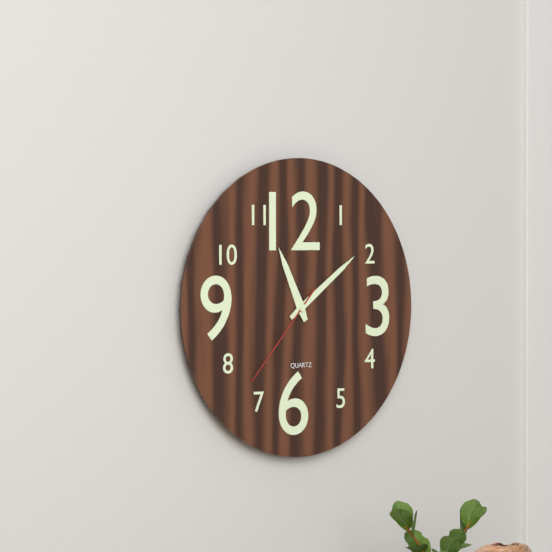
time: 11:09:37
